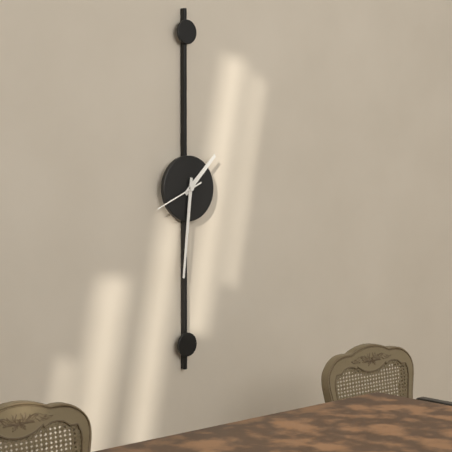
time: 1:31
